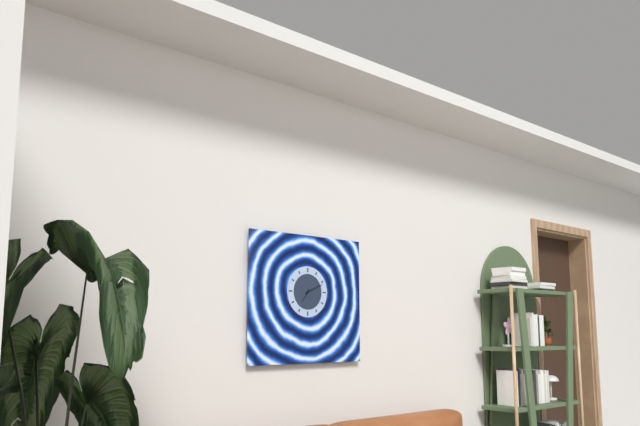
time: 7:11
